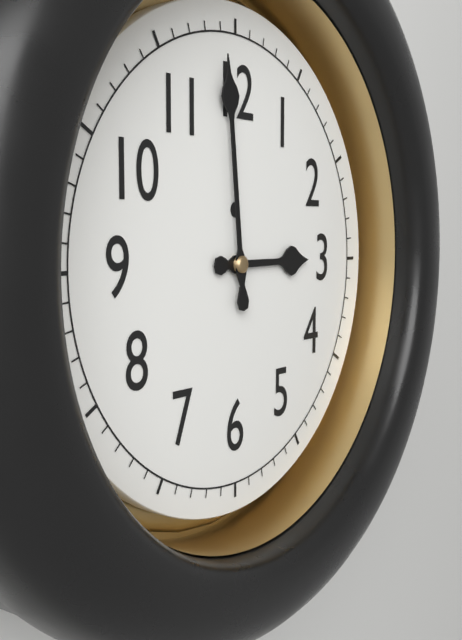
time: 2:59
